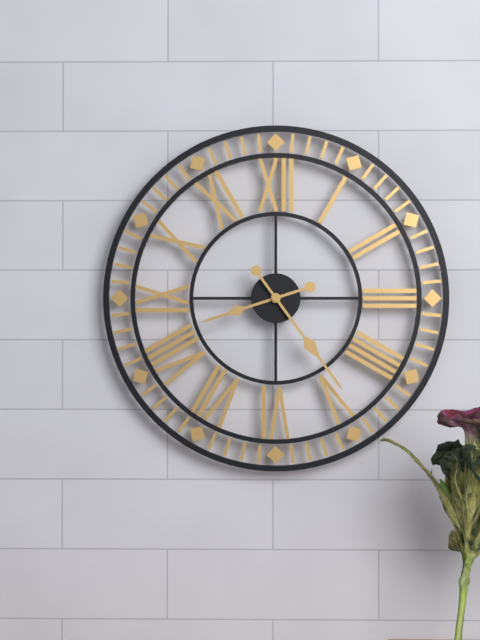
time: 8:24
